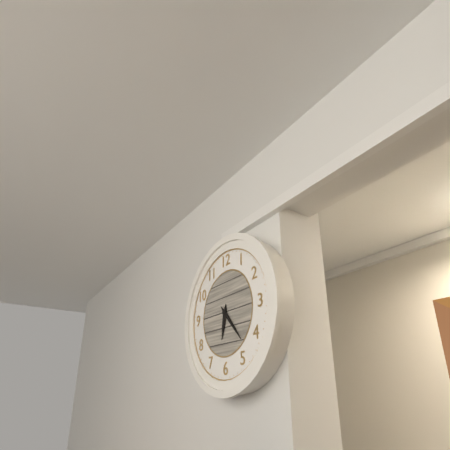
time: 6:23
